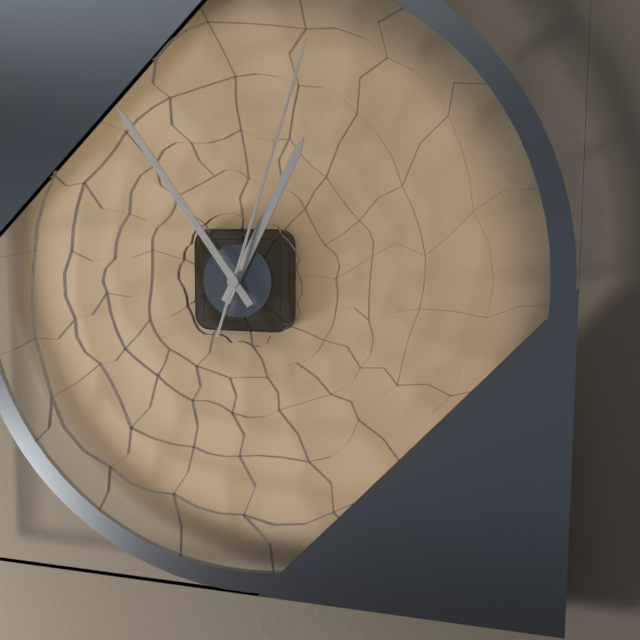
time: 12:54:03
